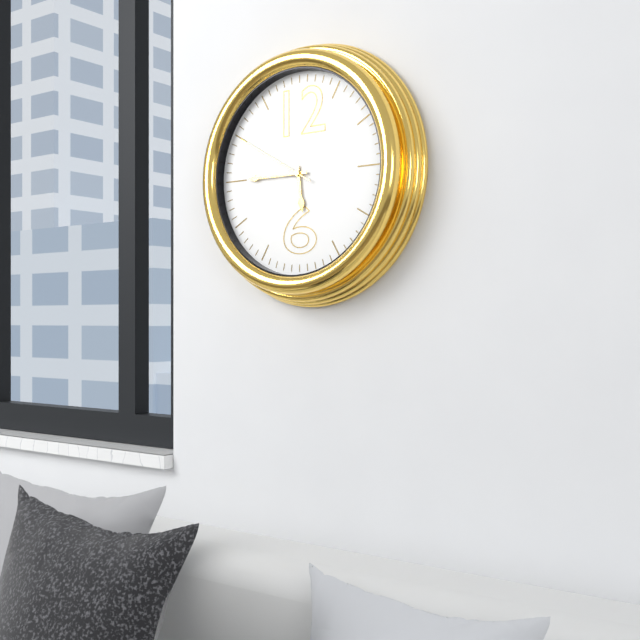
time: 5:45:50
